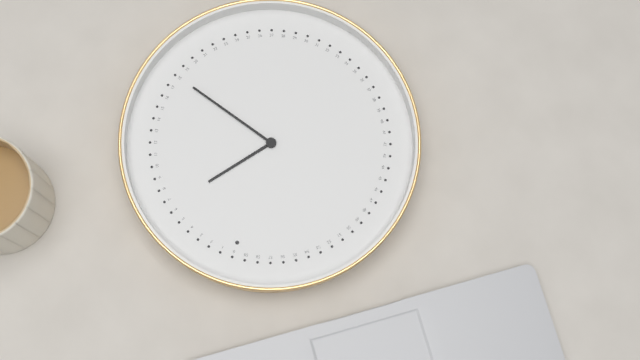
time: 1:18
